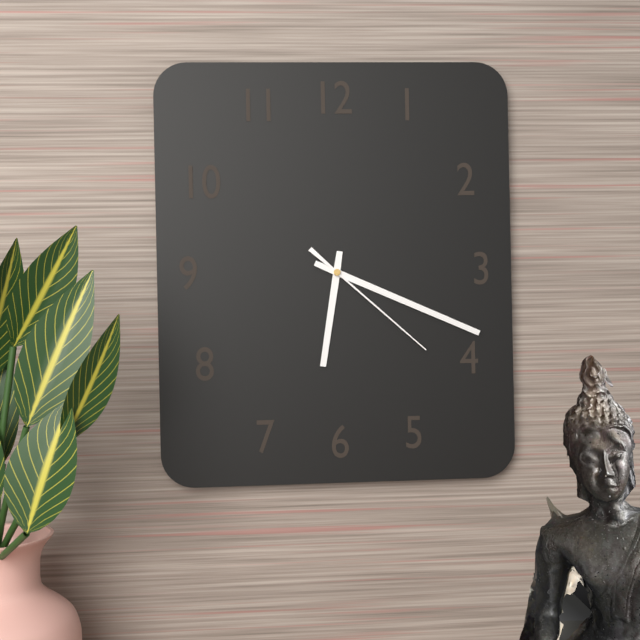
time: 6:19:22
